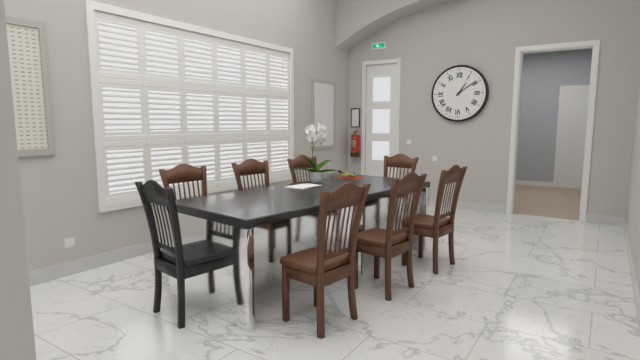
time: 1:09
